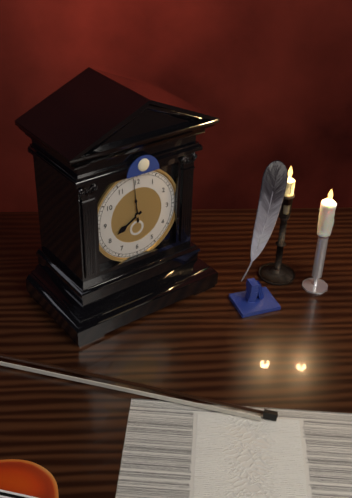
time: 7:59
